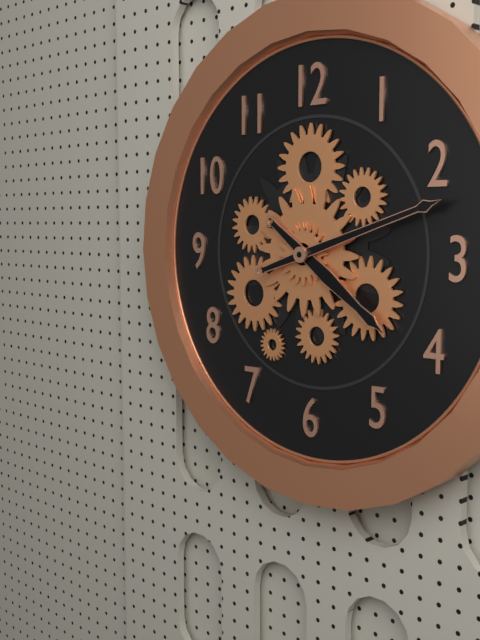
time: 4:12
